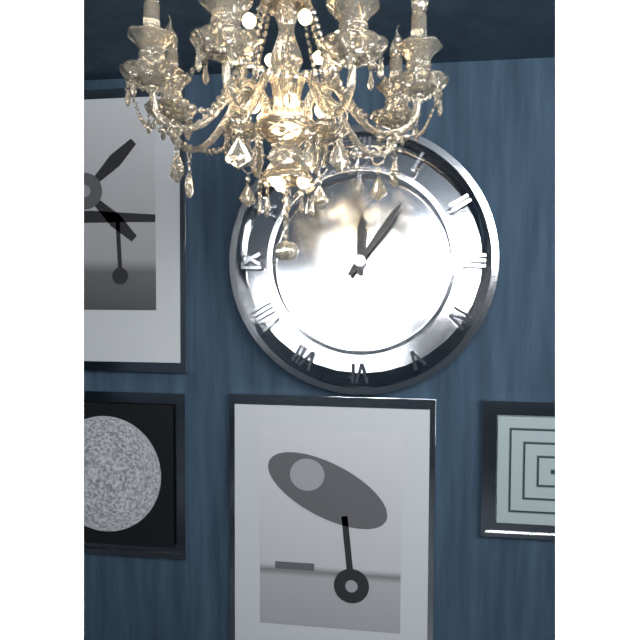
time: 12:06
